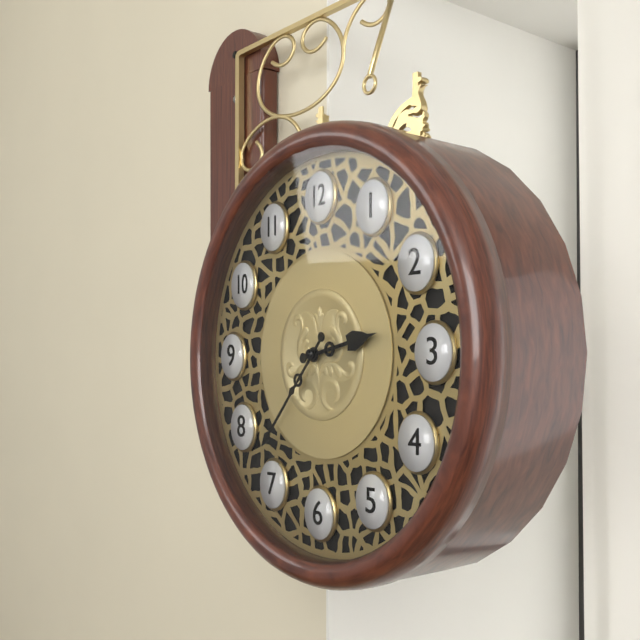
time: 2:37
